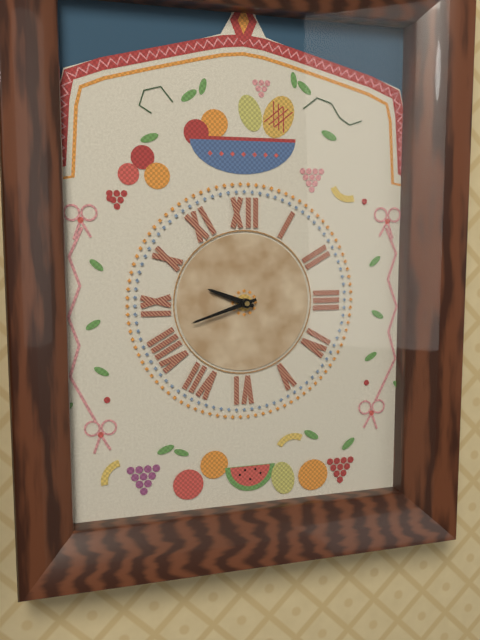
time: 9:42
